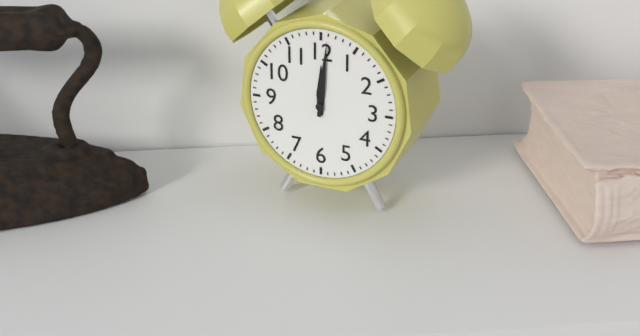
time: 12:01
